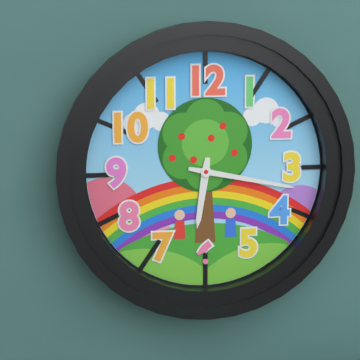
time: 6:17
